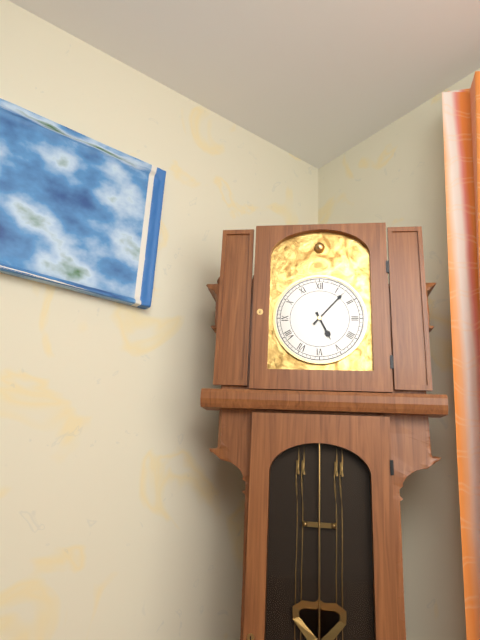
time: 5:07
